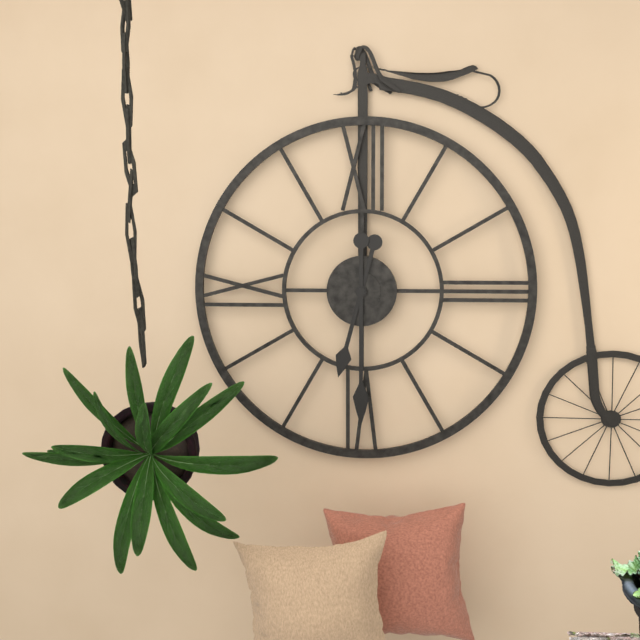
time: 6:30
